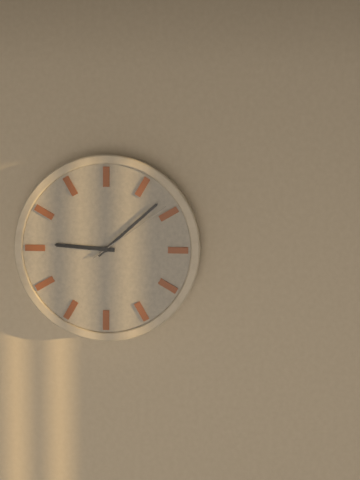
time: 9:08:09
